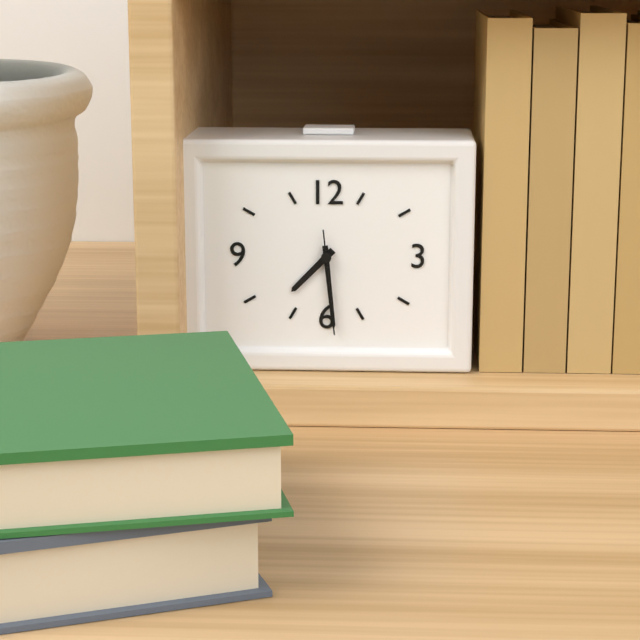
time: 7:29:29
